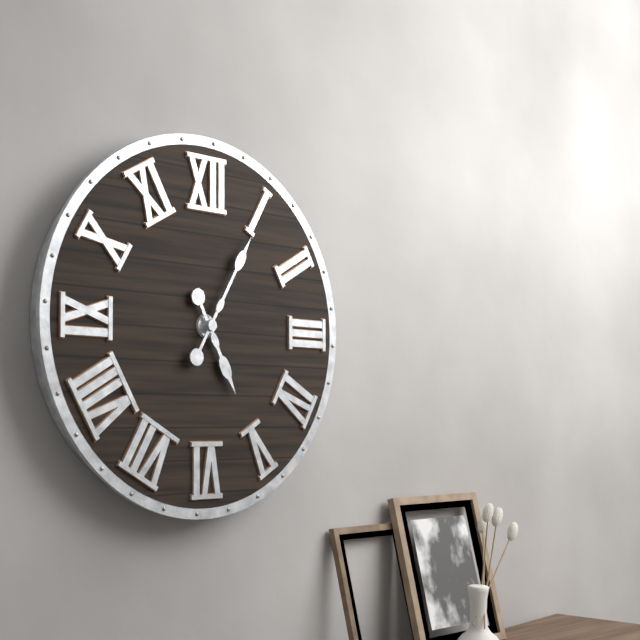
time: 5:05
